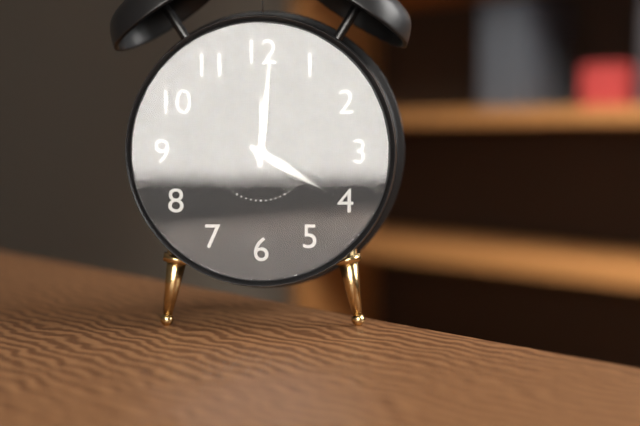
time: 4:01
